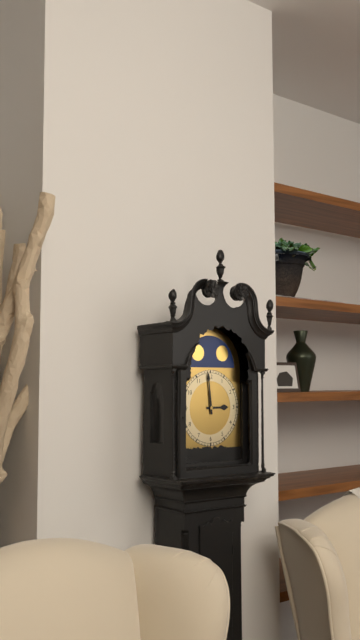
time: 2:59
